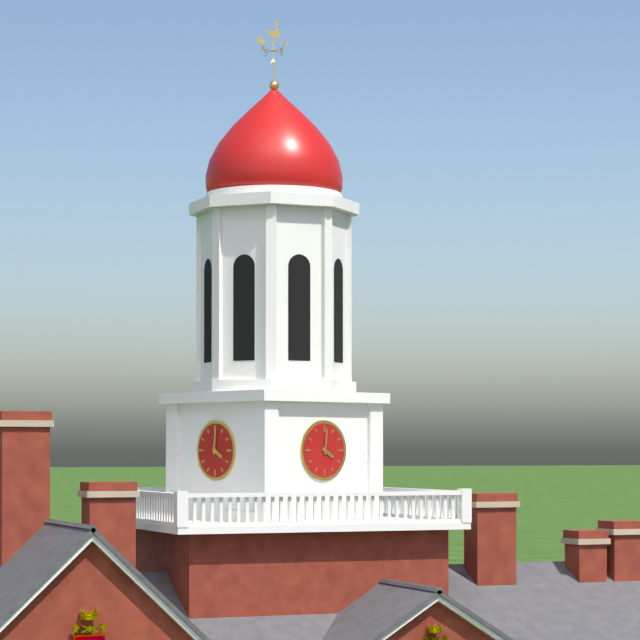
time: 4:01
